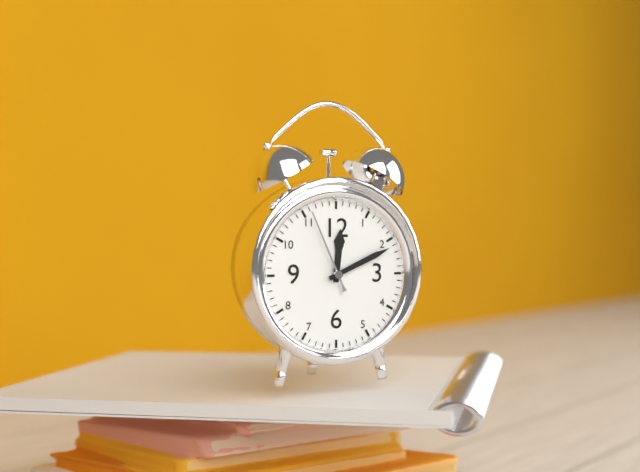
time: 12:11:56
